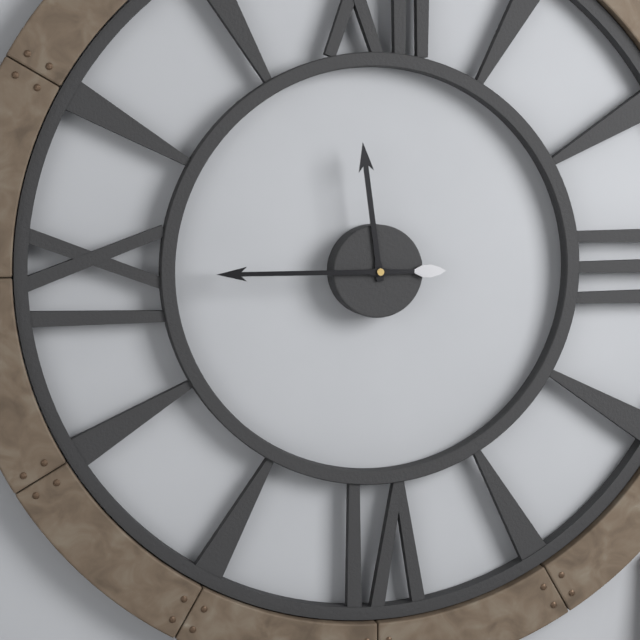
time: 11:45
